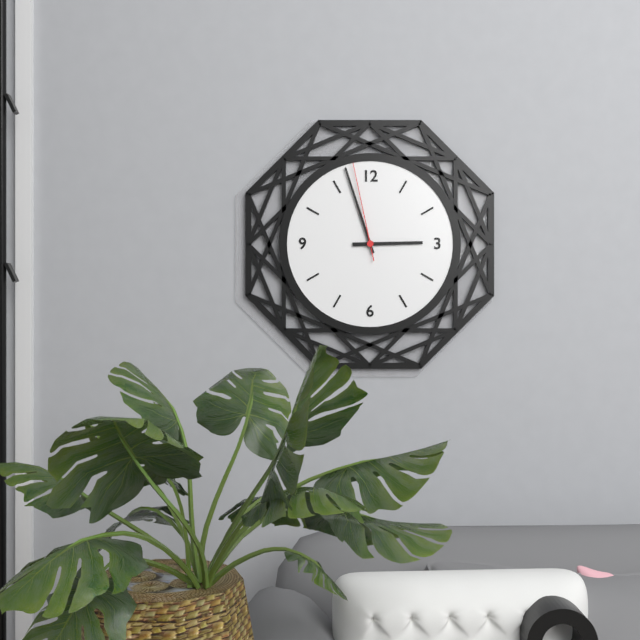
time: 2:57:58
